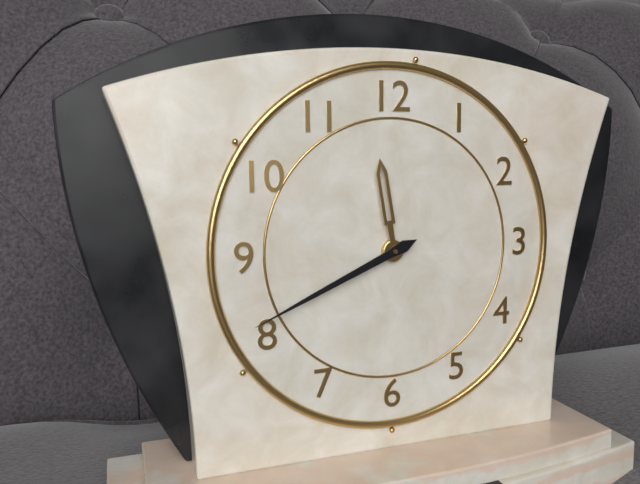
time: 11:41
